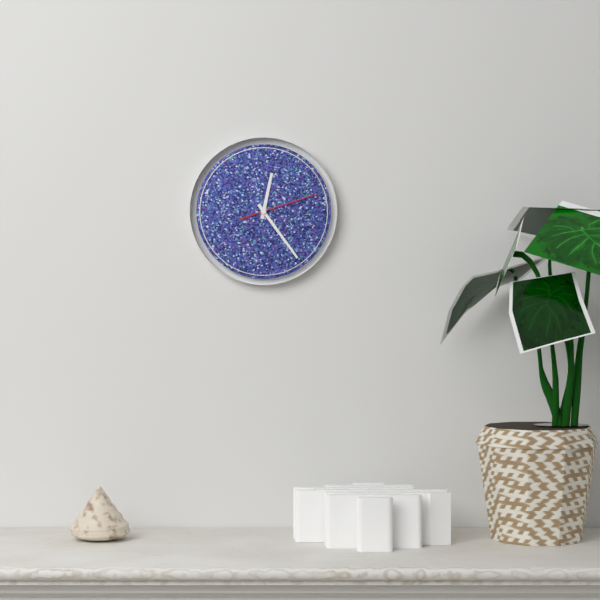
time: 12:24:12
